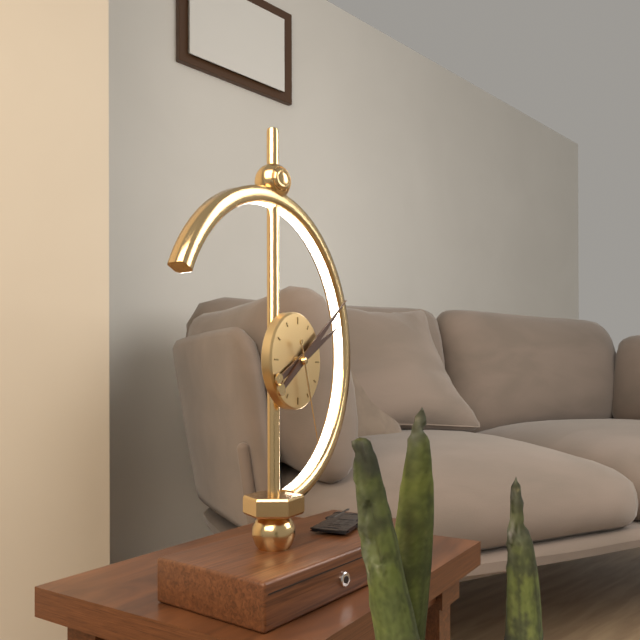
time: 2:09:27
